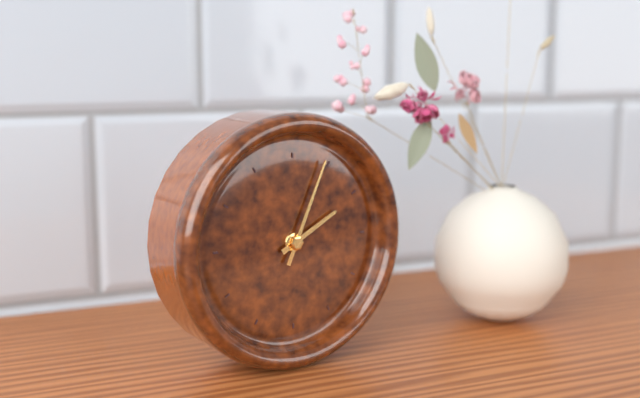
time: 2:04
